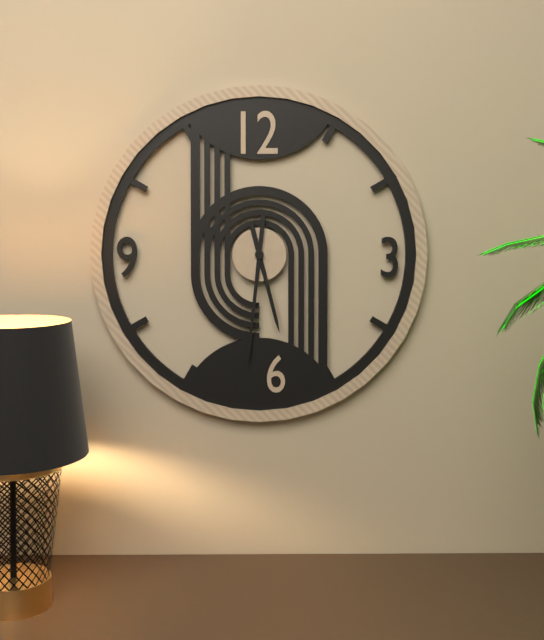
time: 5:31
